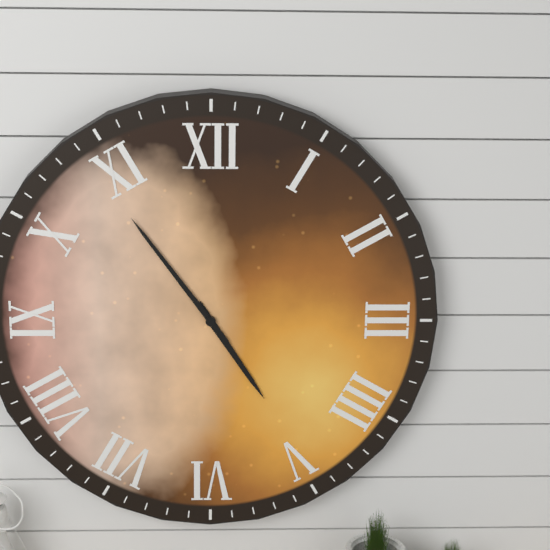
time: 4:54
